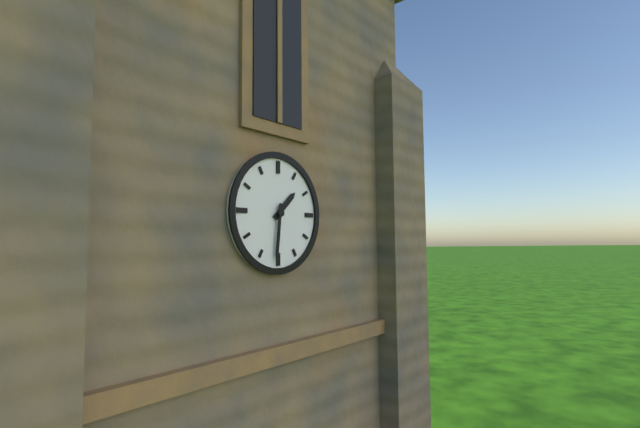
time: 1:31
